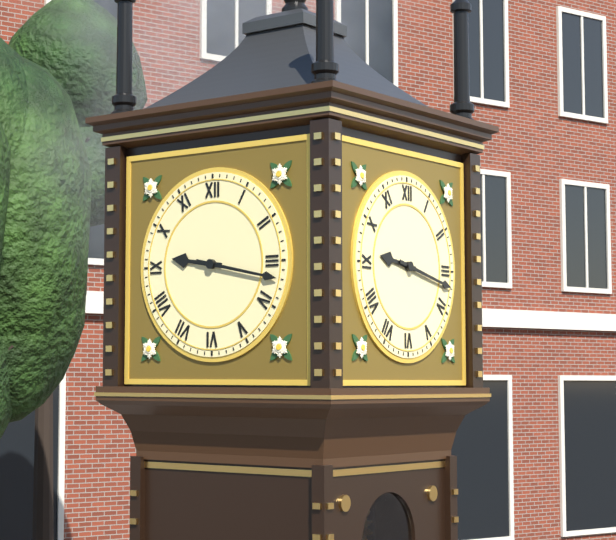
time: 9:17
